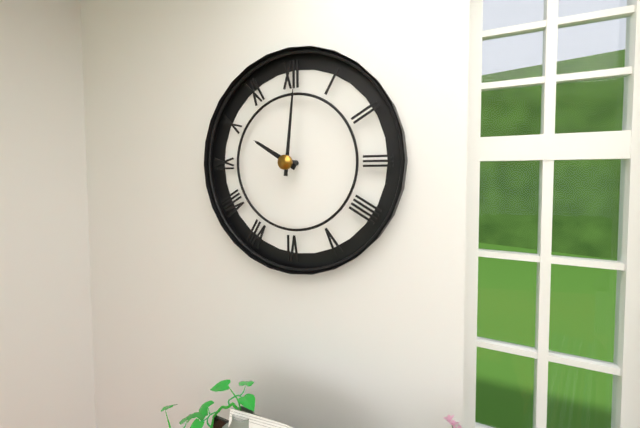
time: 10:01
